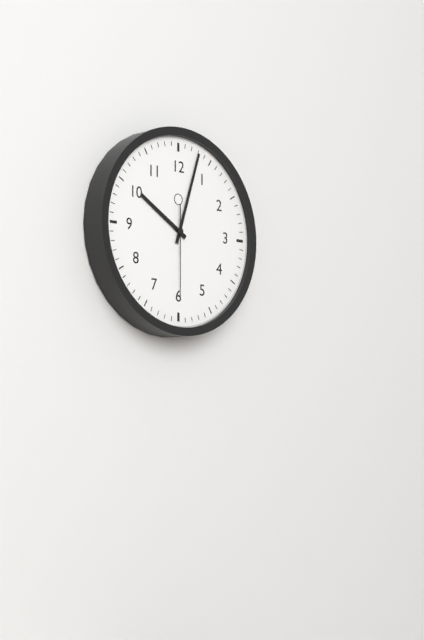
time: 10:03:30
